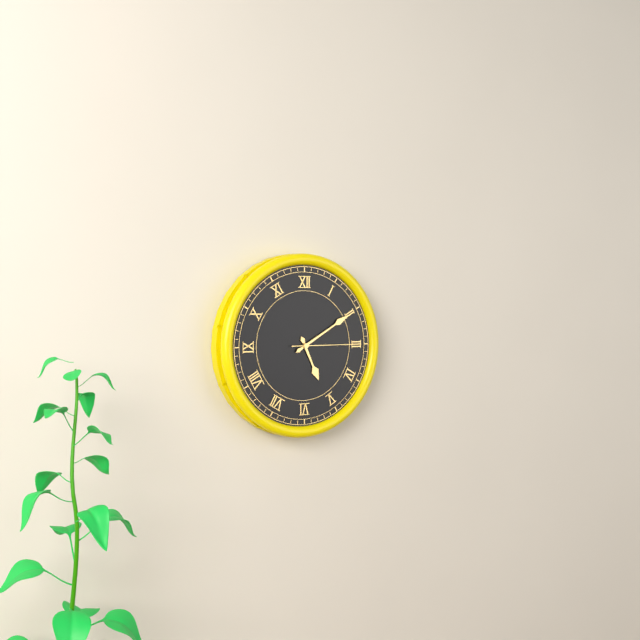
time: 5:10:15
